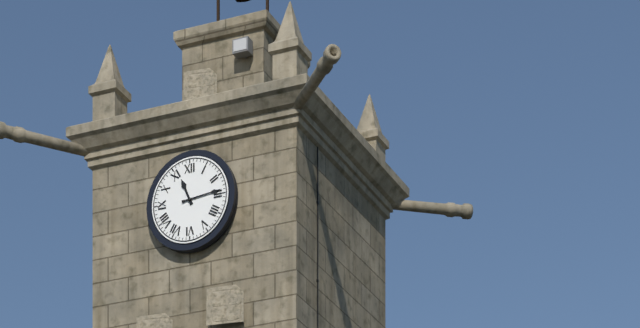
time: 11:14
